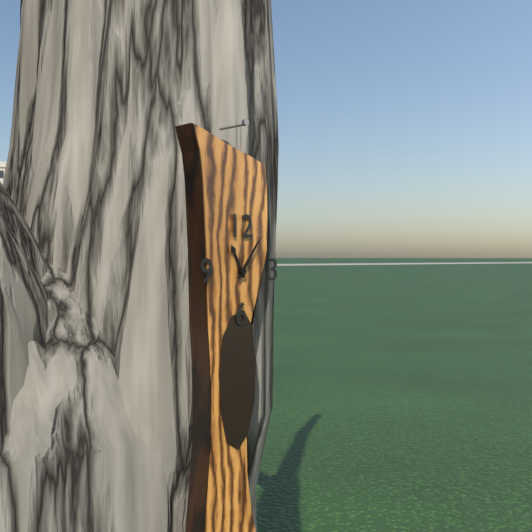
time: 11:06
